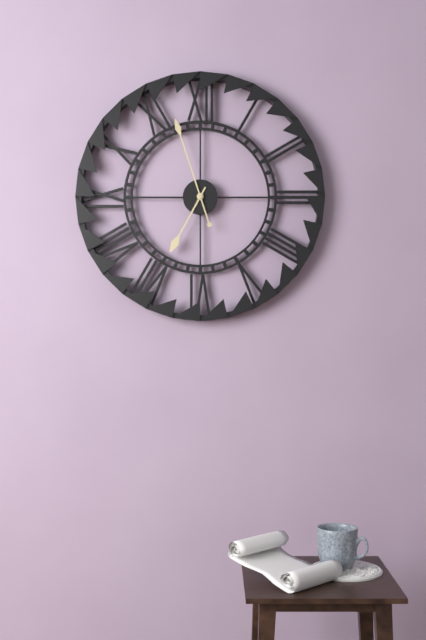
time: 6:57
